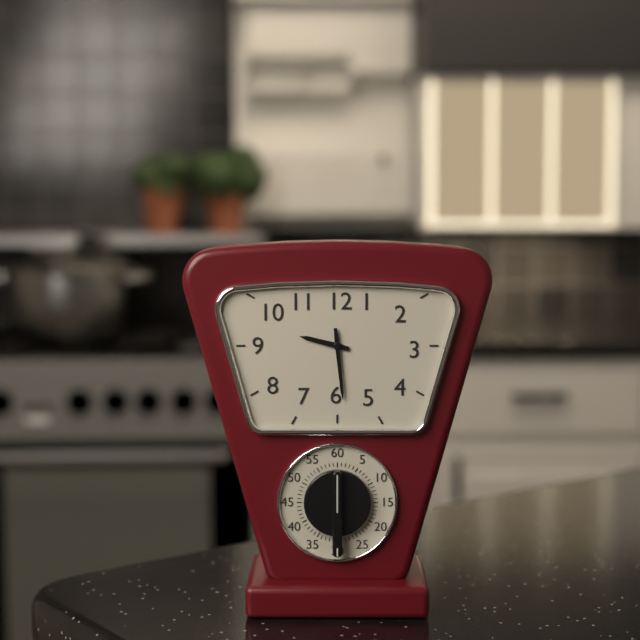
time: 9:29
